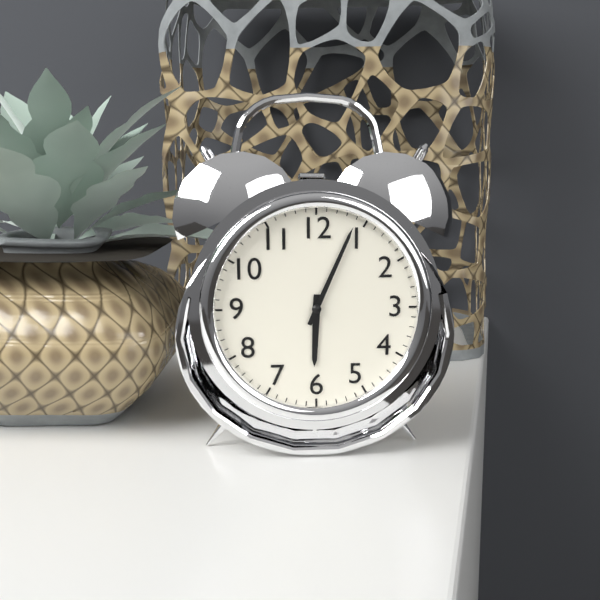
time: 6:04
